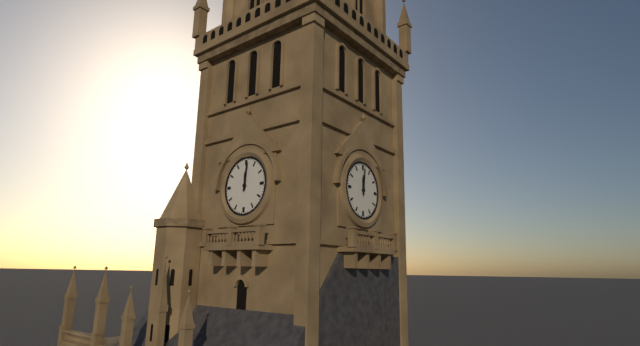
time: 12:01
